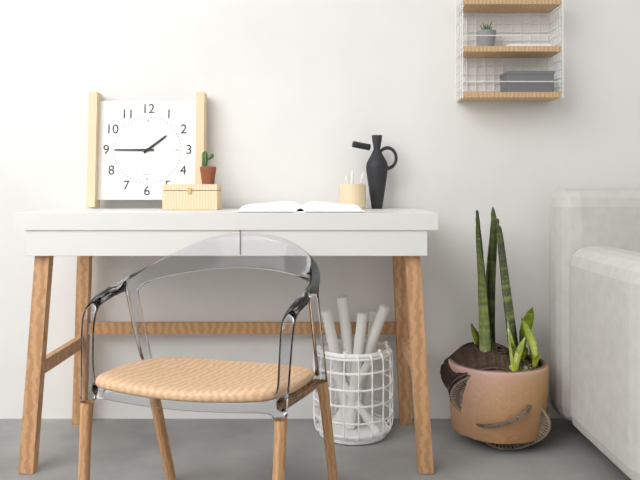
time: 1:45
